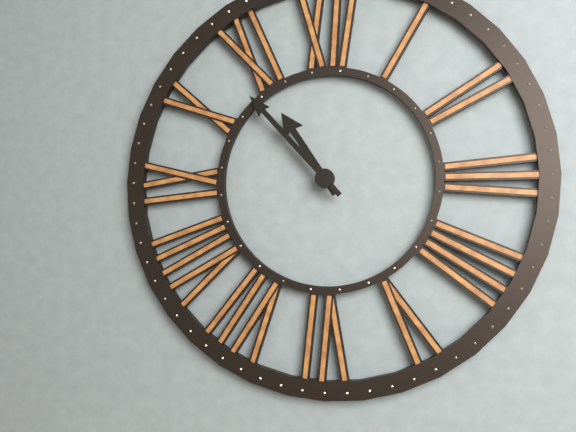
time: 10:53
